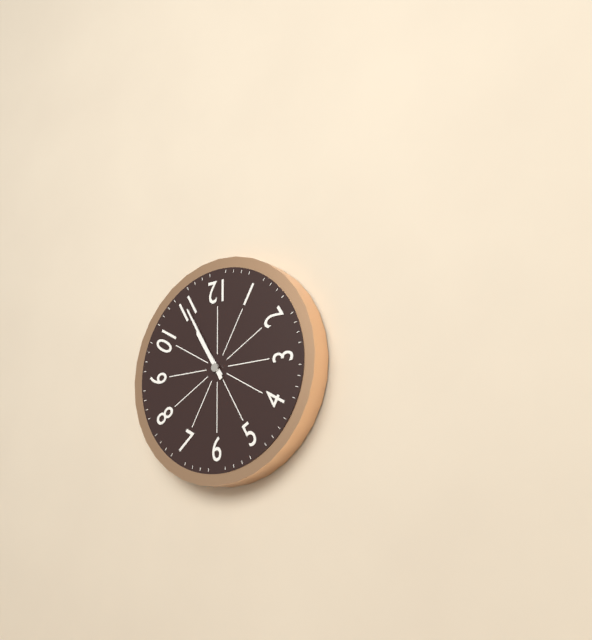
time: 10:55
